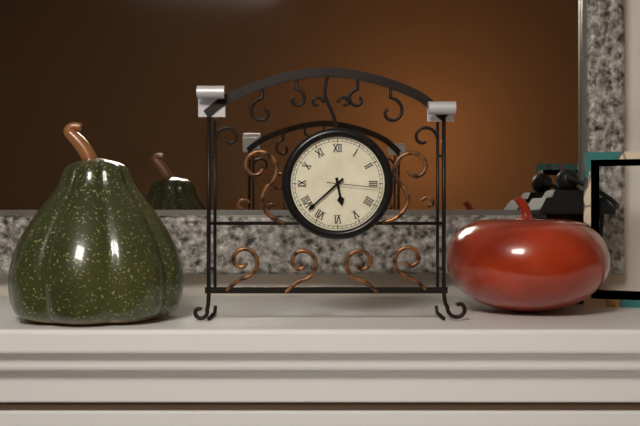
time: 5:38:16
